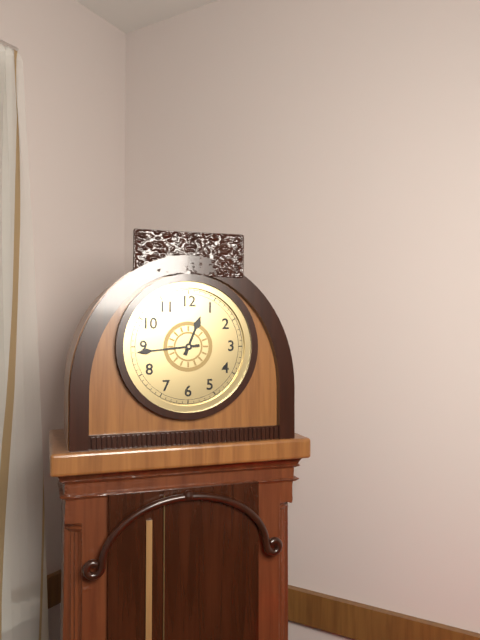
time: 12:44
